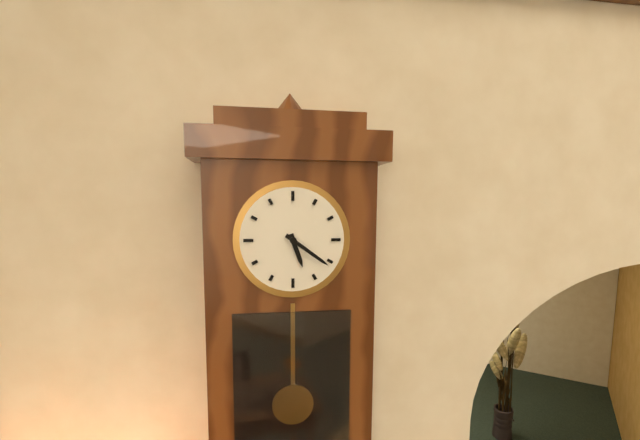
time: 5:21
